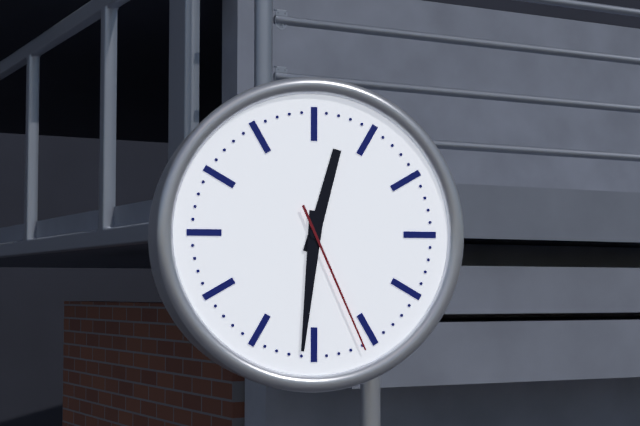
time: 12:31:26
